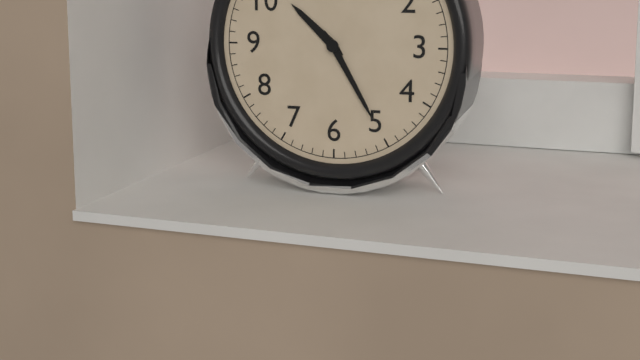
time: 10:25
